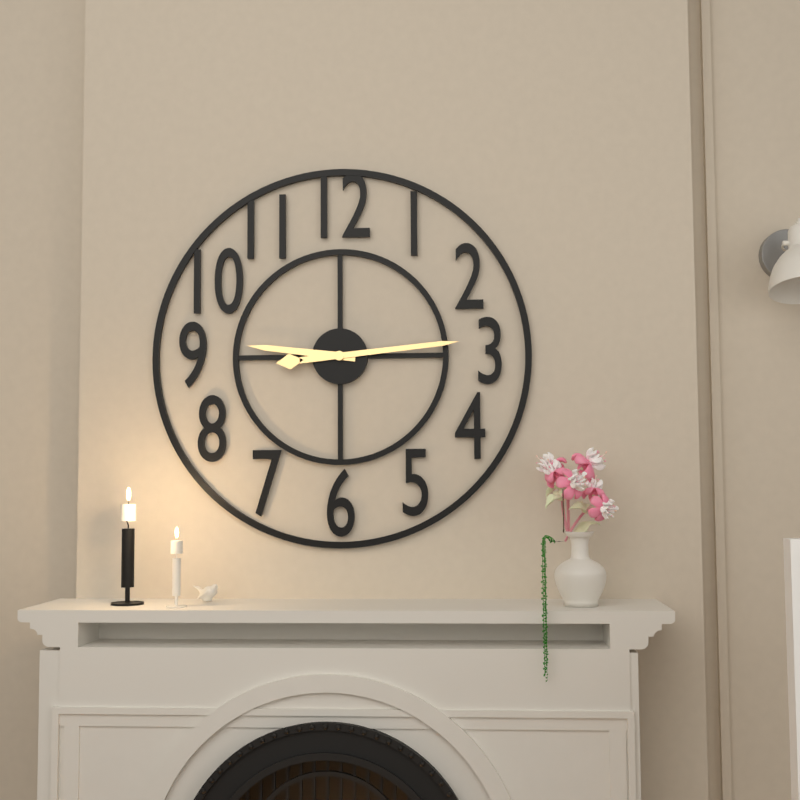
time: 9:14
